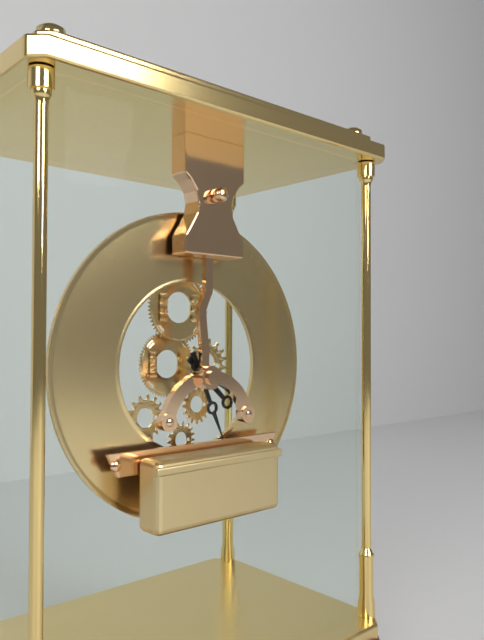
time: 4:26
